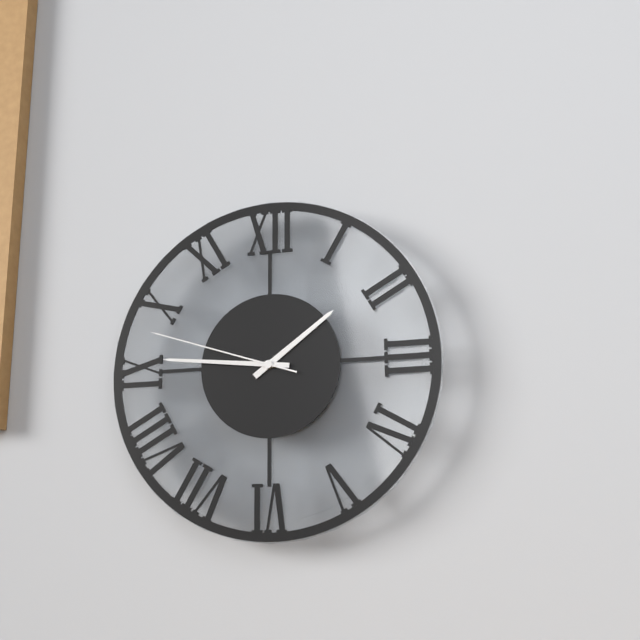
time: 1:46:48
